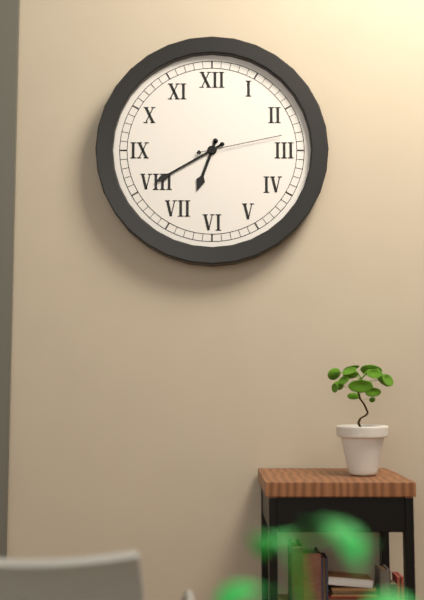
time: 6:40:13
